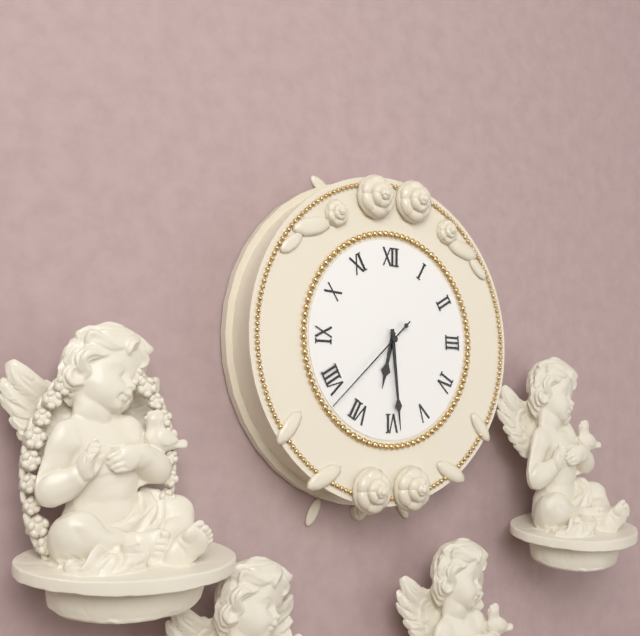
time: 6:29:38
